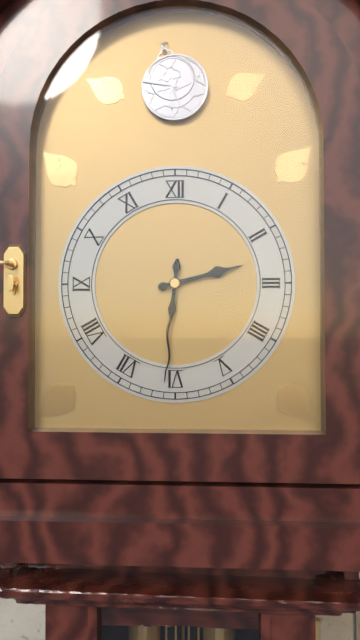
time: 2:31
